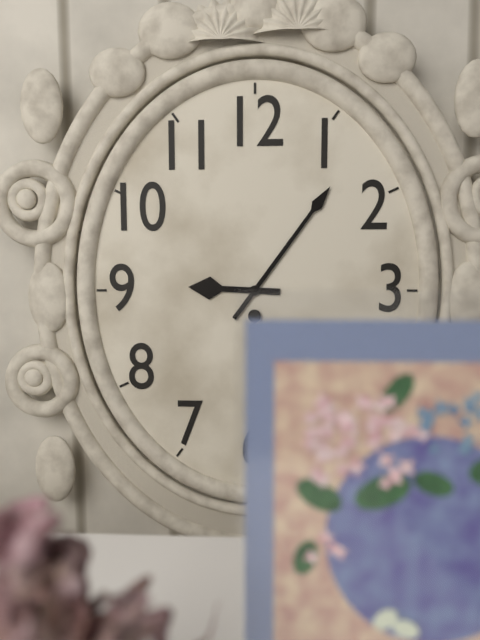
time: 9:06
